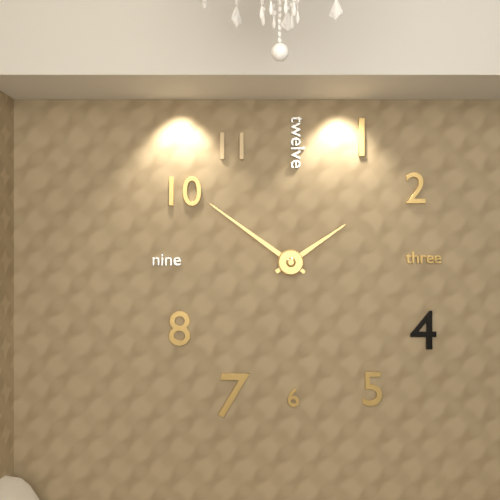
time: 1:51
